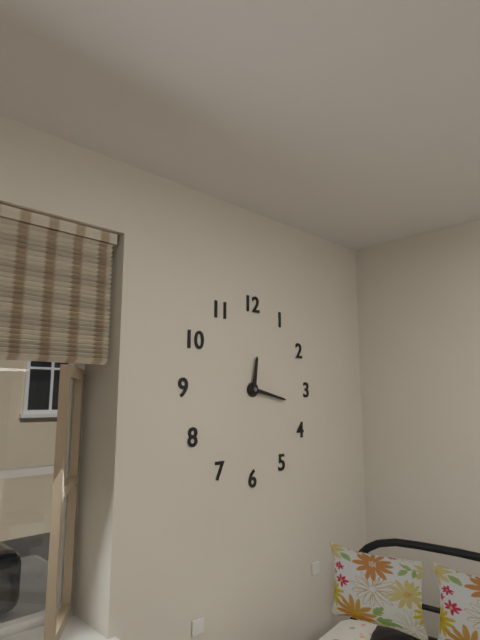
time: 12:17
